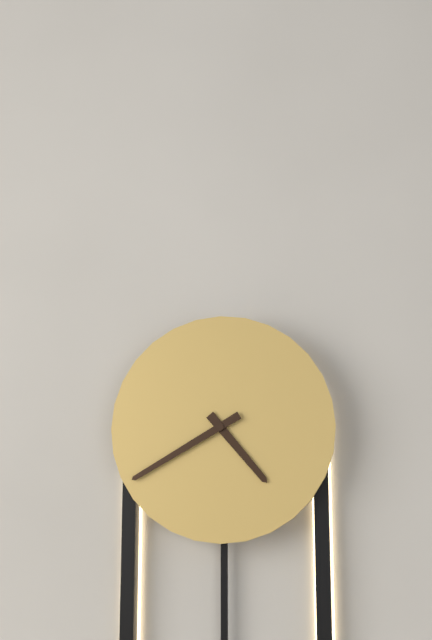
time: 4:40
